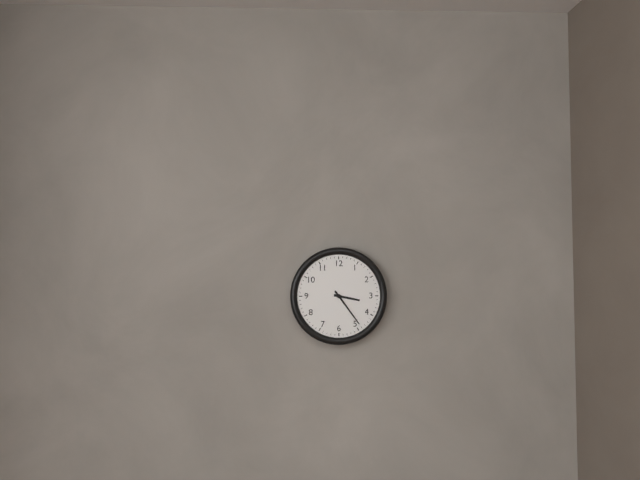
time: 3:24
